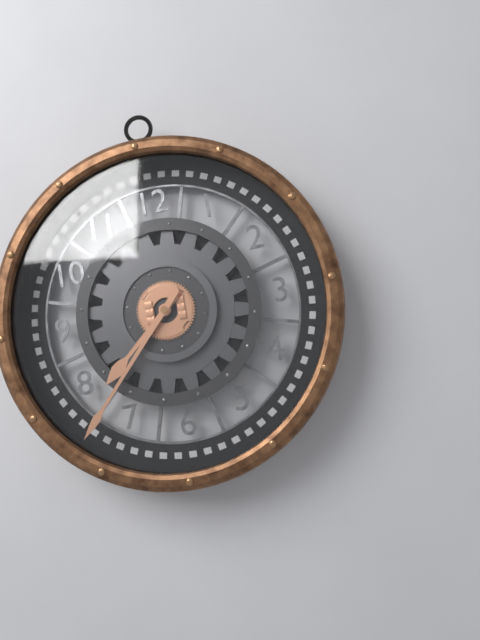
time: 7:37
